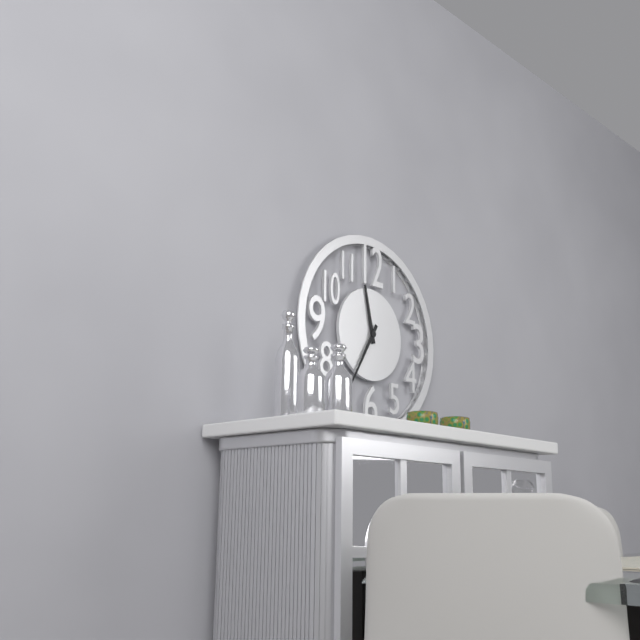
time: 11:35
